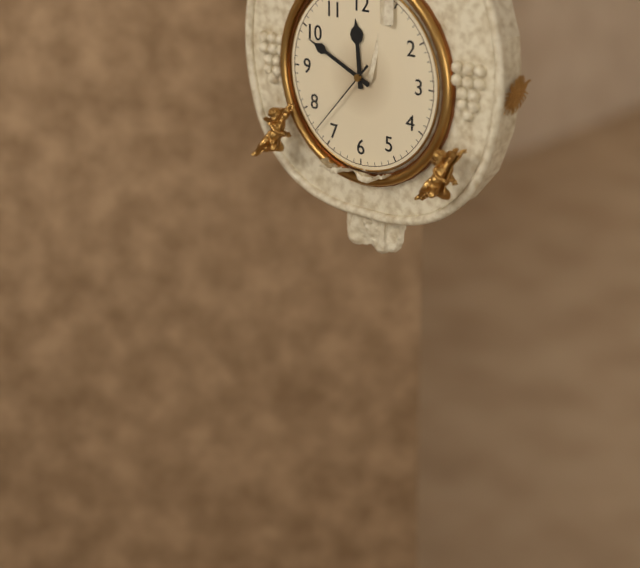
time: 11:49:37
